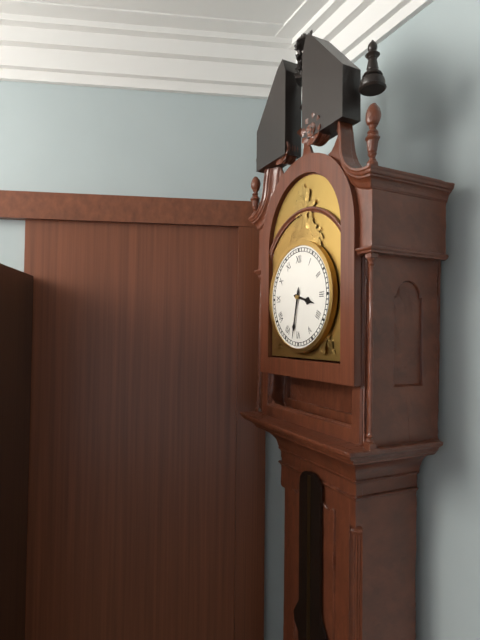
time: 3:32
